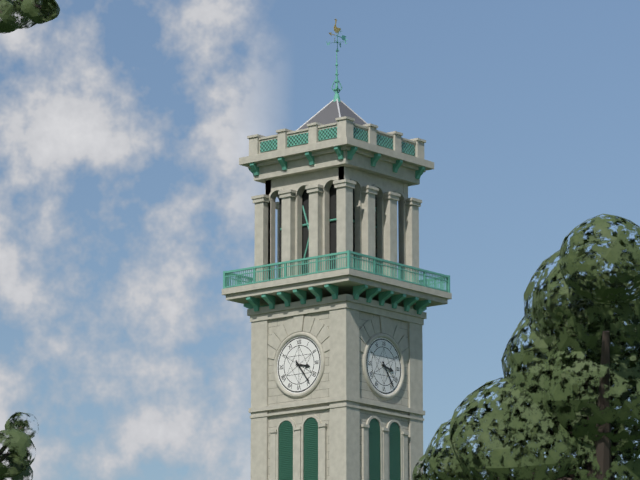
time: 3:24
